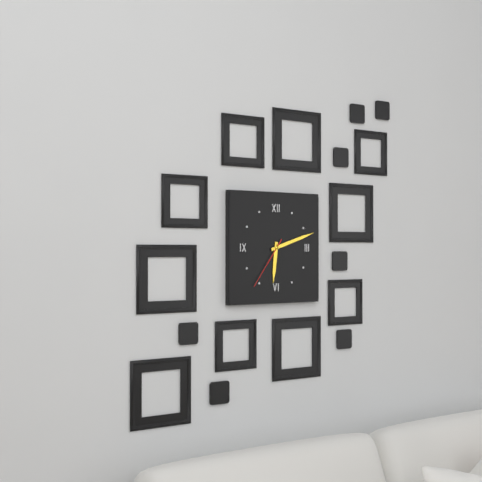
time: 6:12:36
